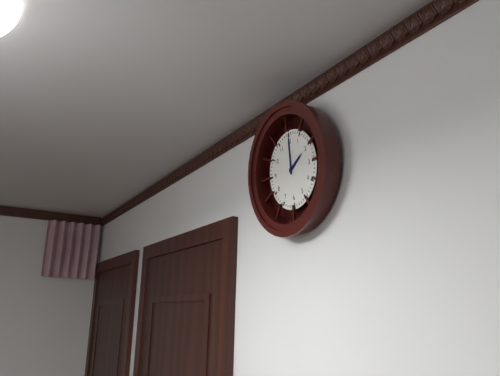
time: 2:00
